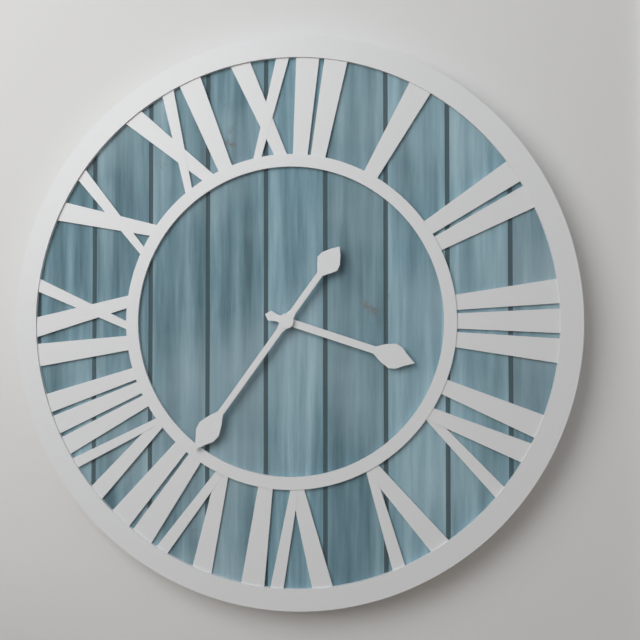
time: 3:36
